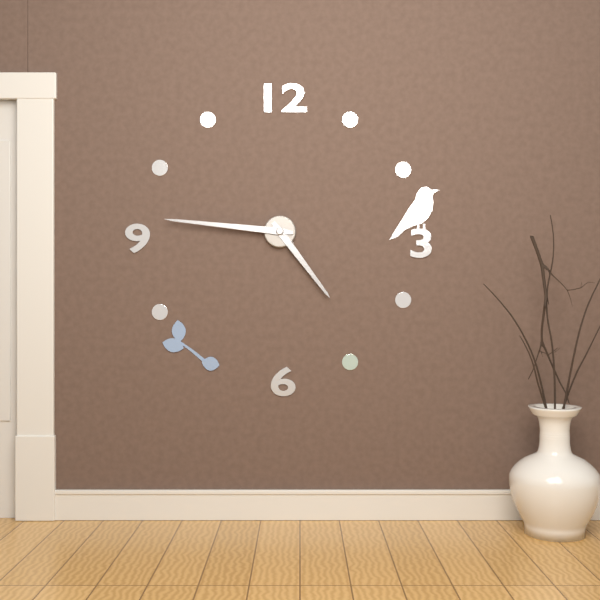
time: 4:46
